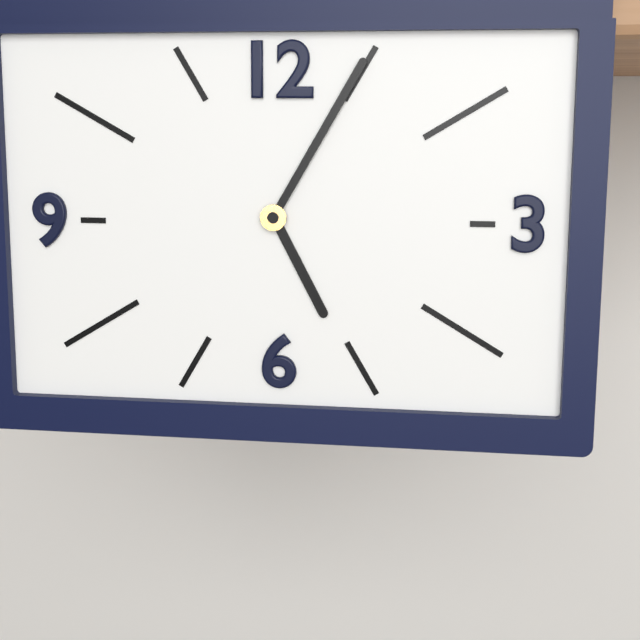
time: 5:05
